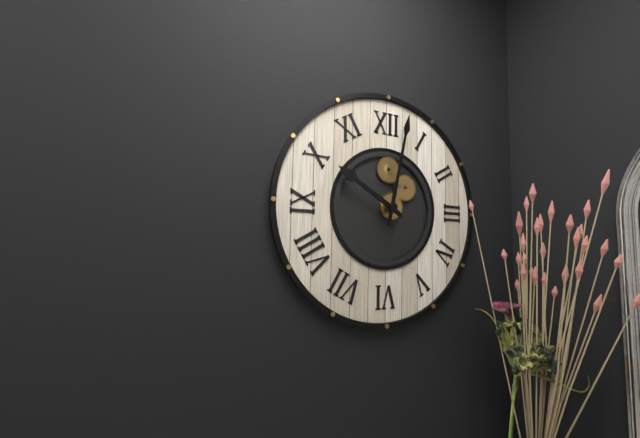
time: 10:02
